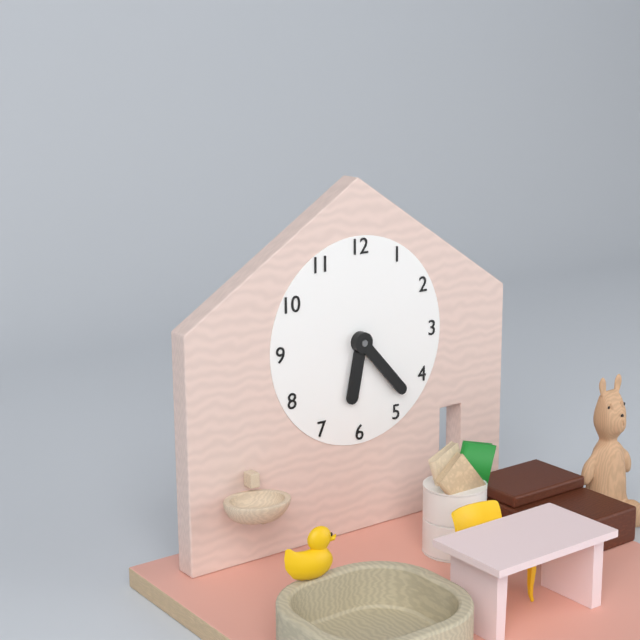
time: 6:23
